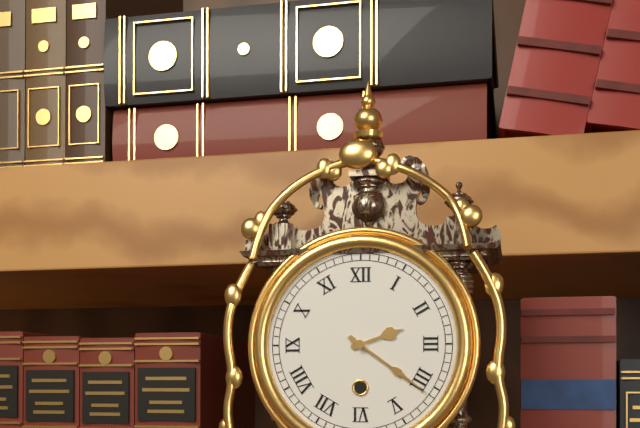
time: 2:21
